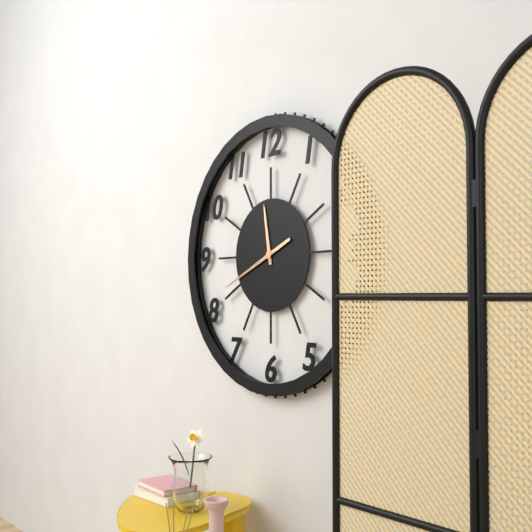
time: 11:41
